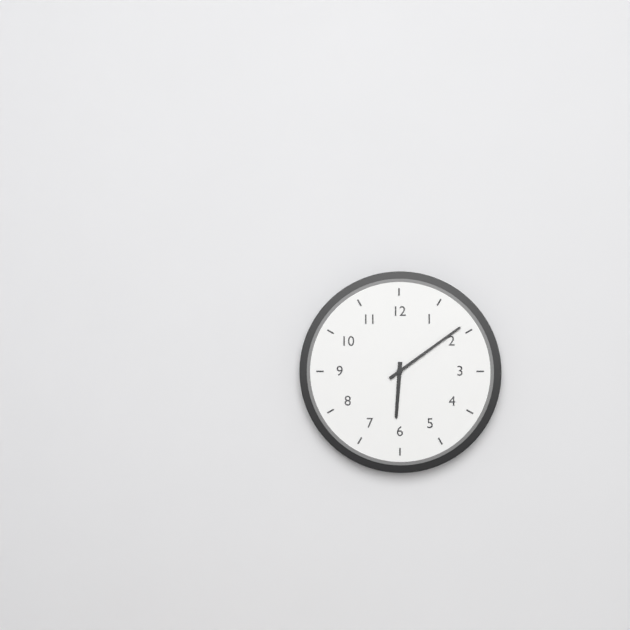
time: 6:09
